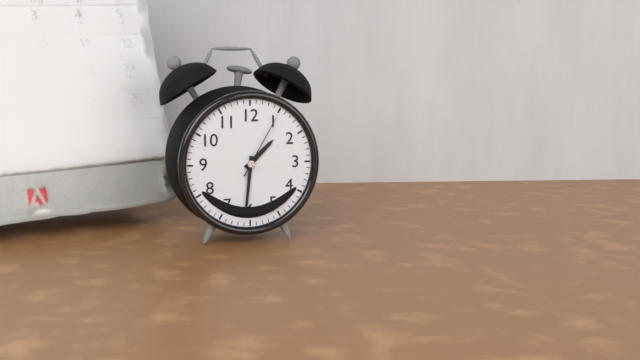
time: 1:31:05
